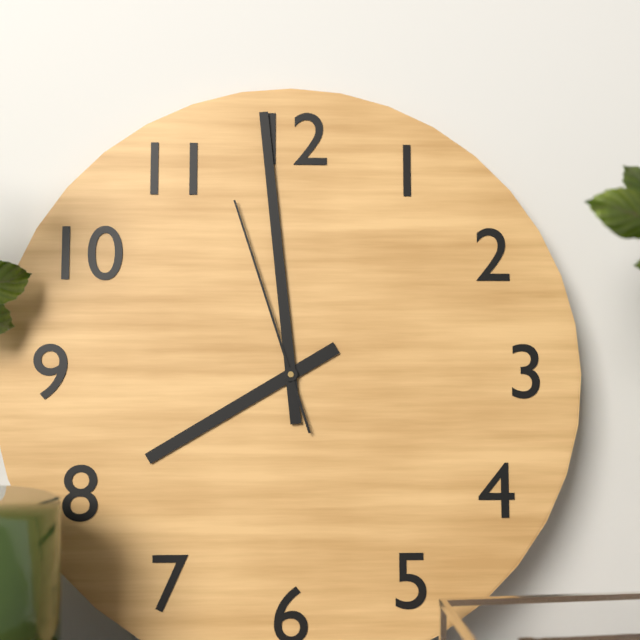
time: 7:59:57
